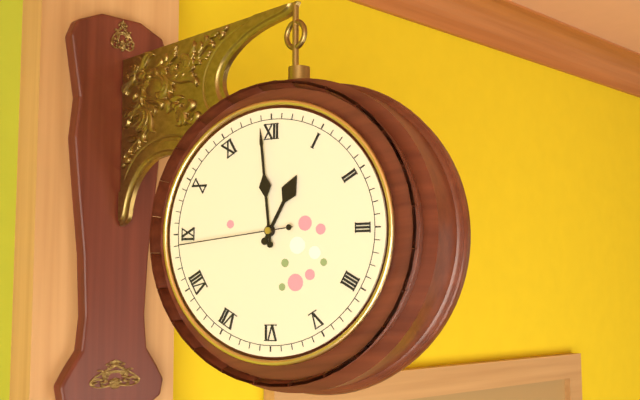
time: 12:59:44
